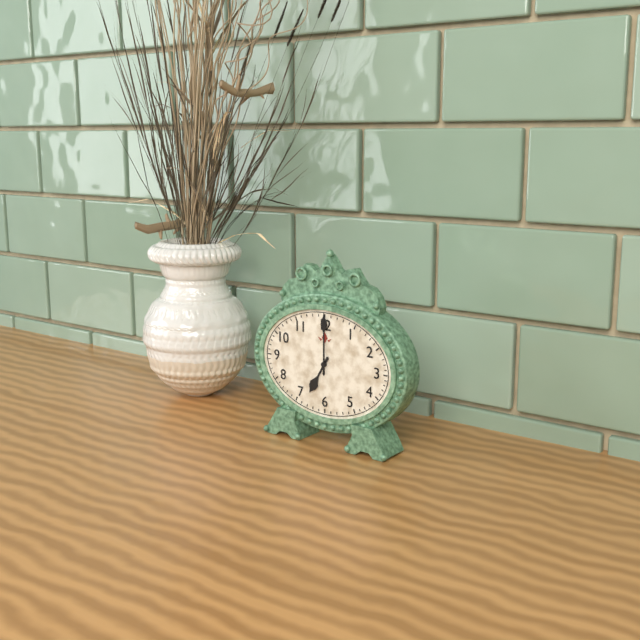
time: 7:00
